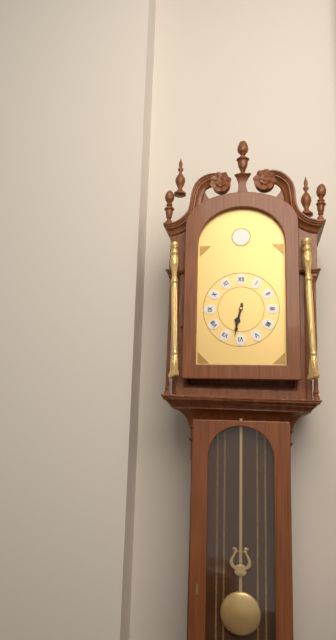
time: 6:32
